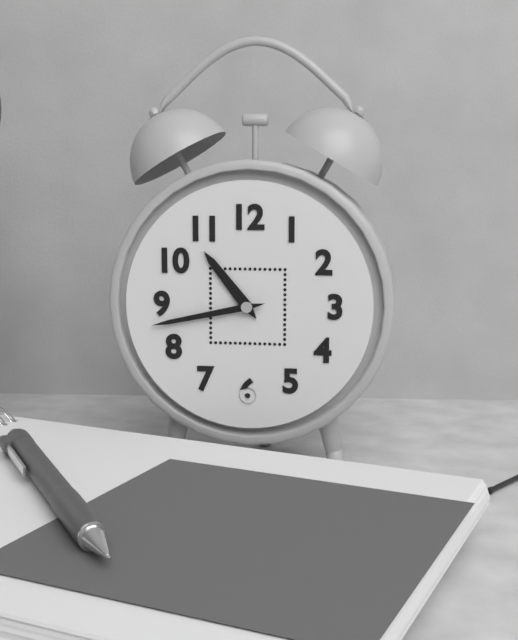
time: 10:43
